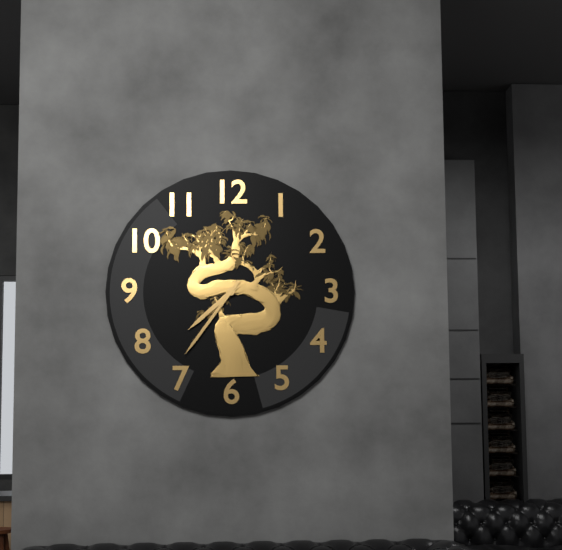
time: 7:36
